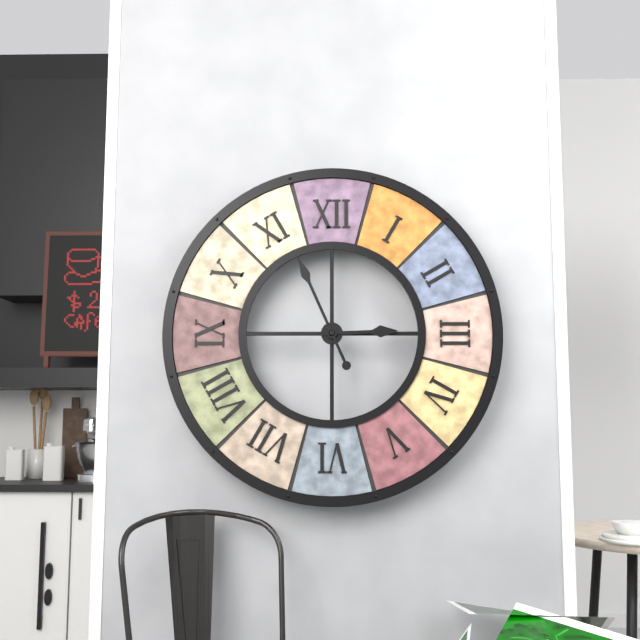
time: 2:56
